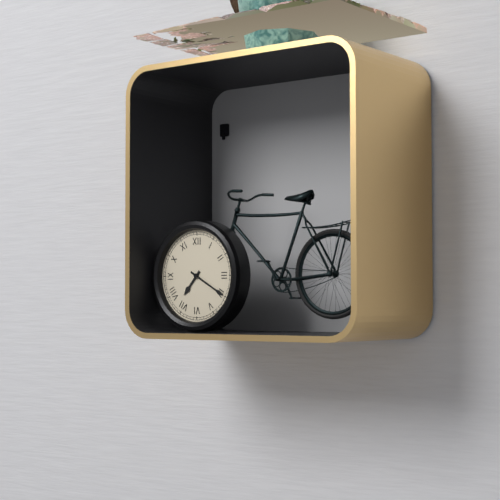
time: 7:20
